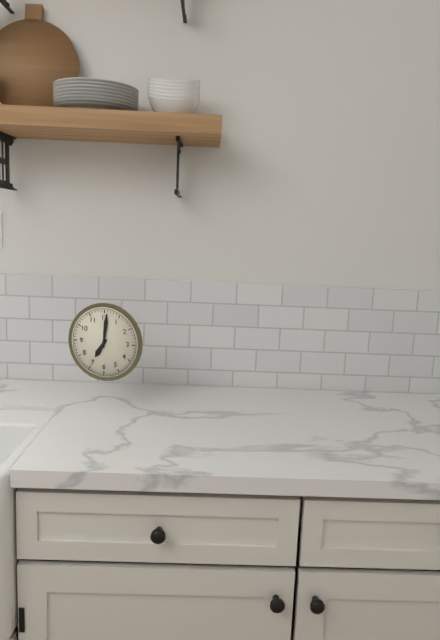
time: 7:01
